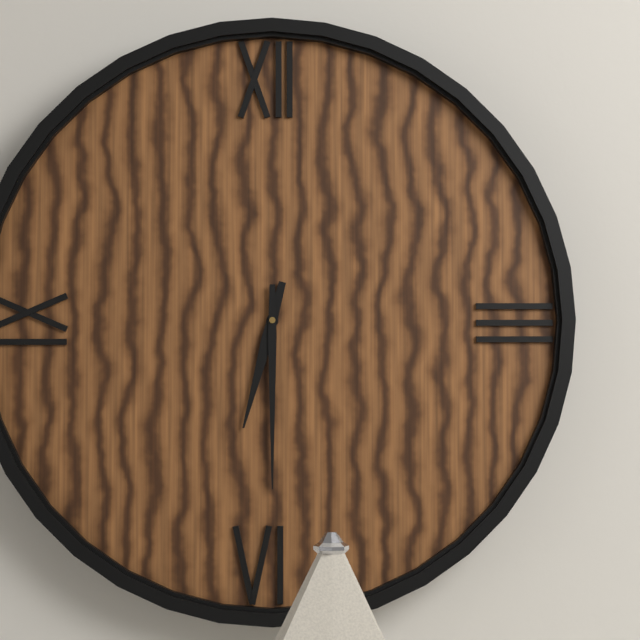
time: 6:30
